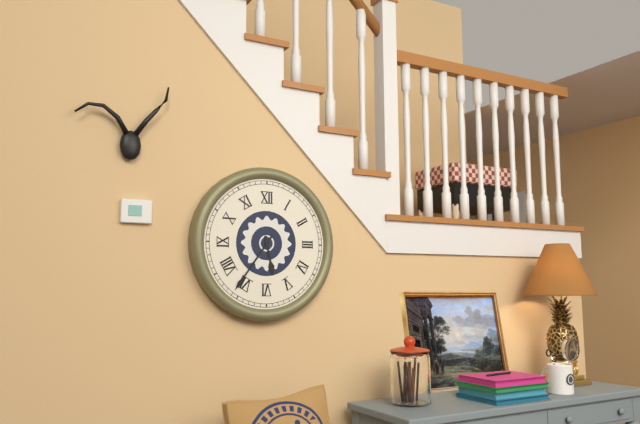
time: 5:36
